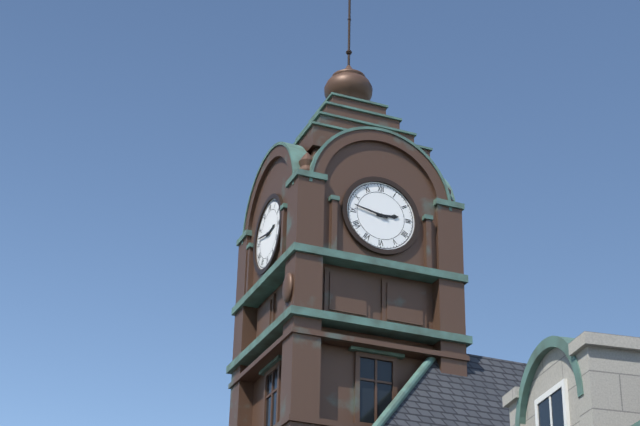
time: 2:47
